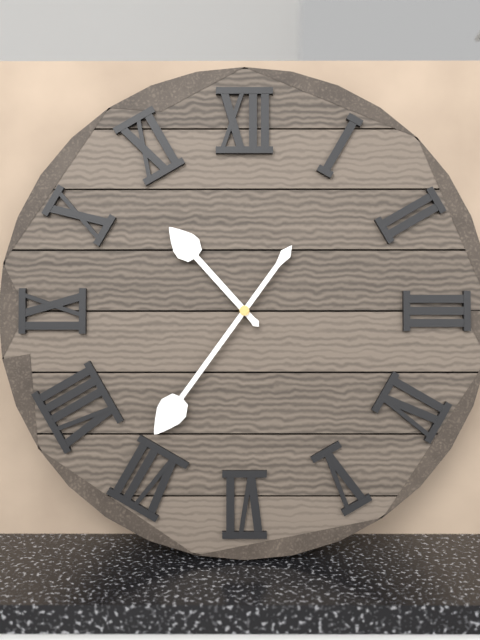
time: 10:36
